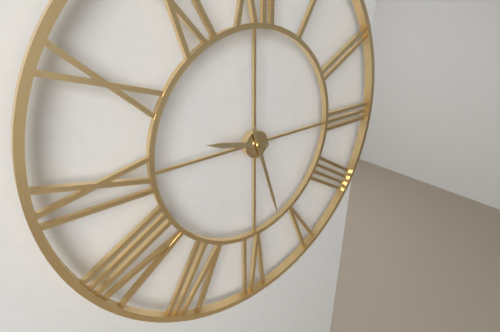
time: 9:27
